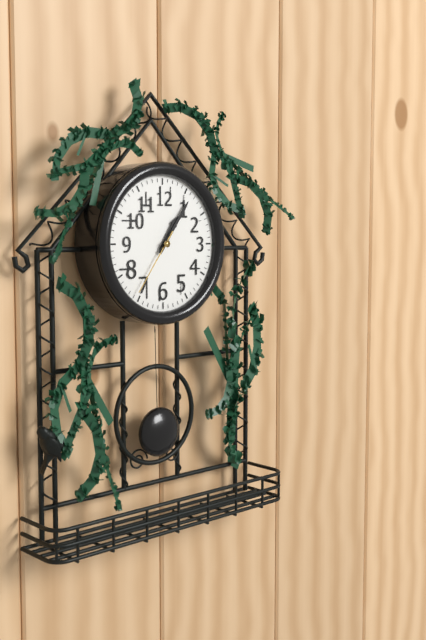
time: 1:06:36
